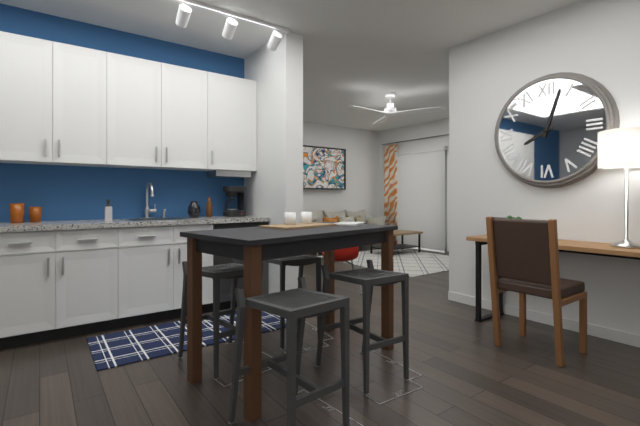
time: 8:03
